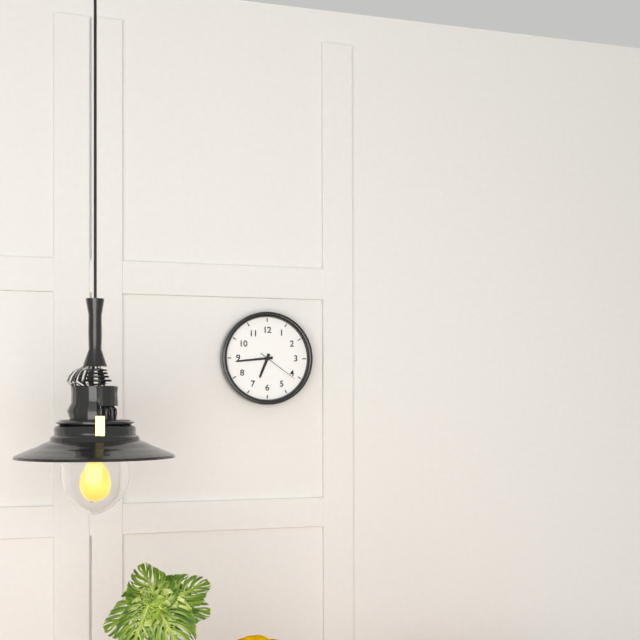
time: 6:44
